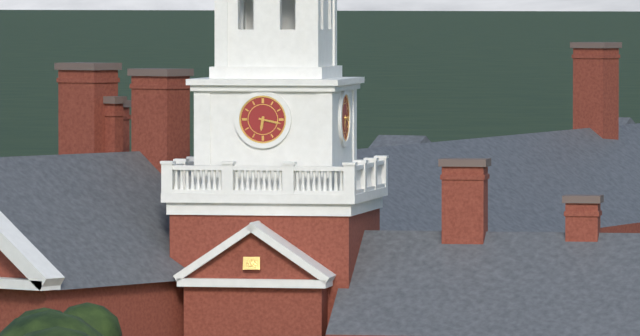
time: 6:17
